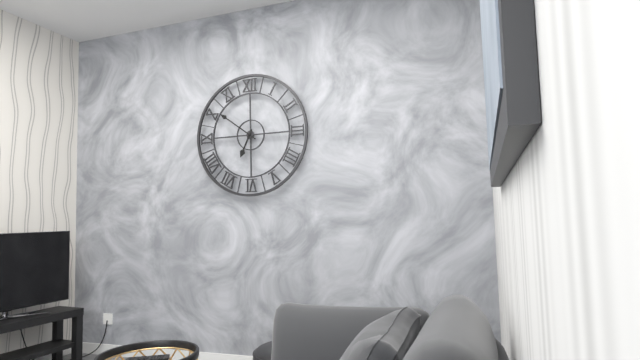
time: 6:51
